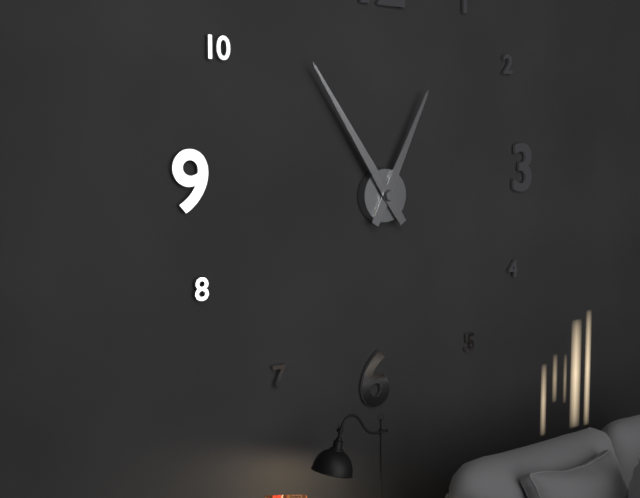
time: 12:54
